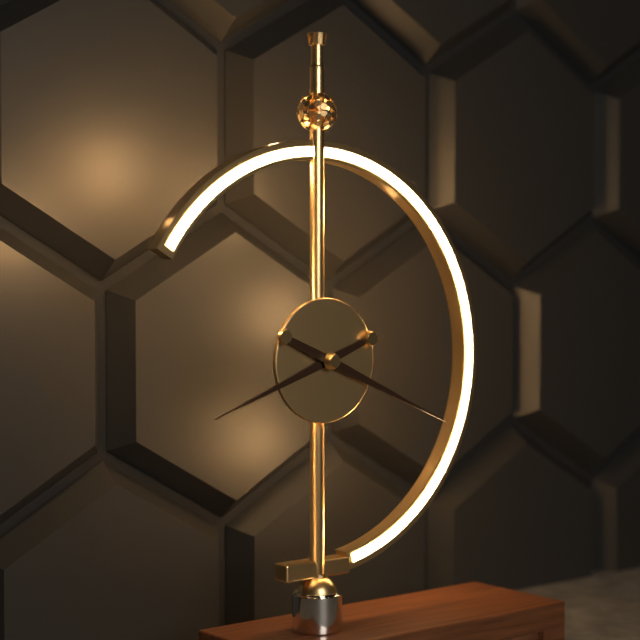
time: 8:19
